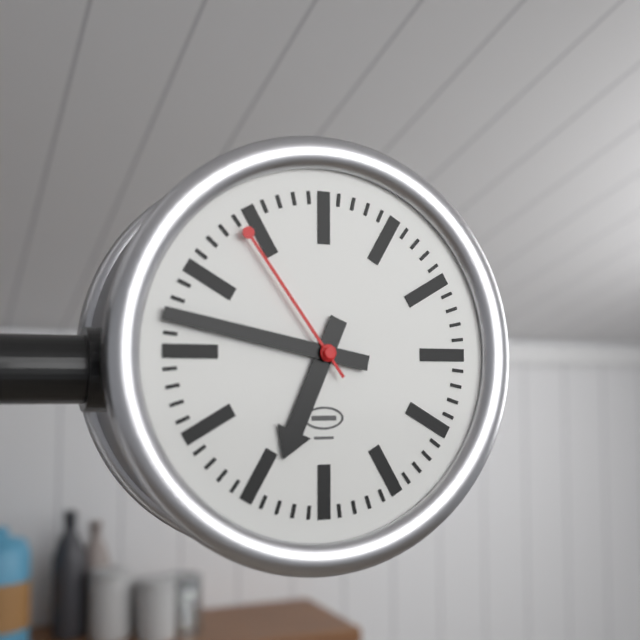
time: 6:47:54
